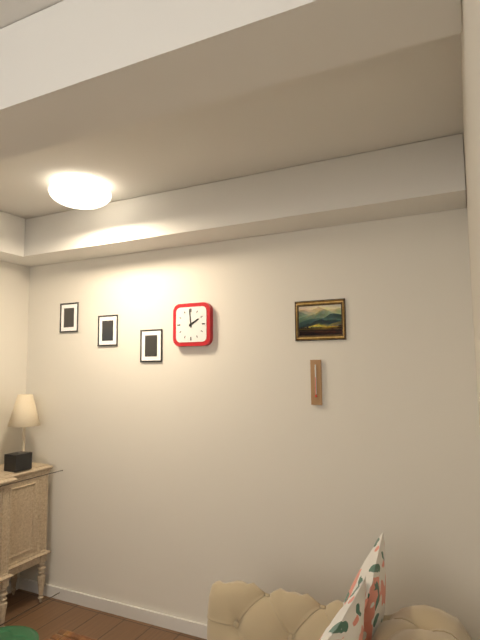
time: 1:59
